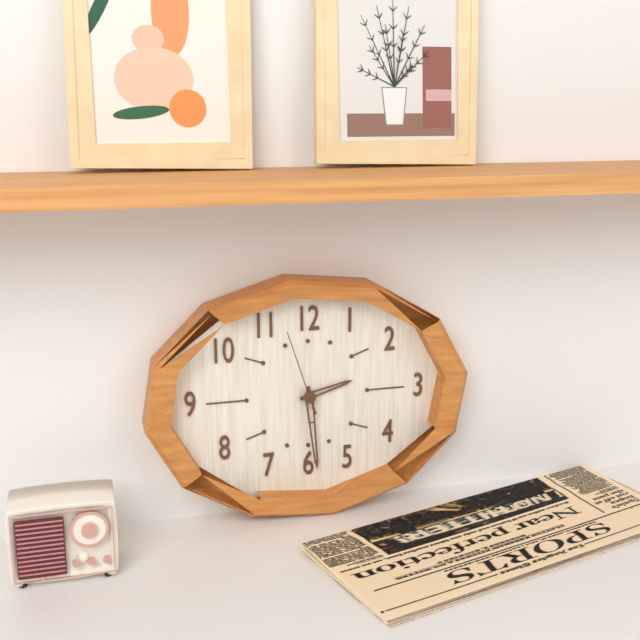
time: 2:29:57
